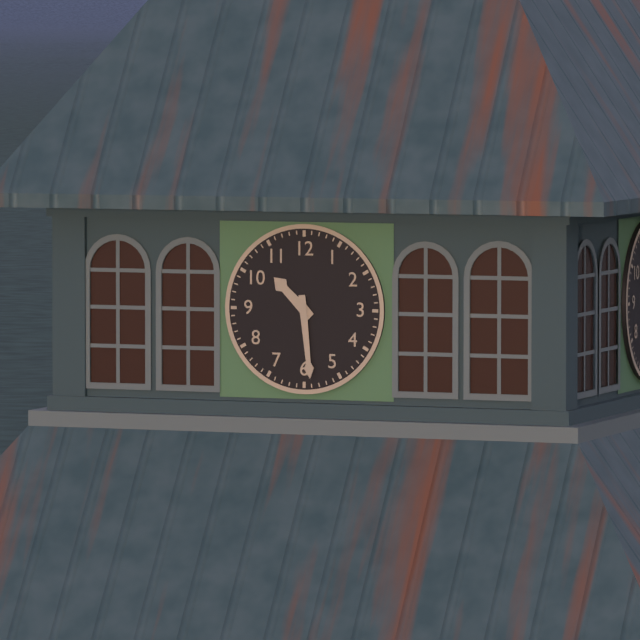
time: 10:29
